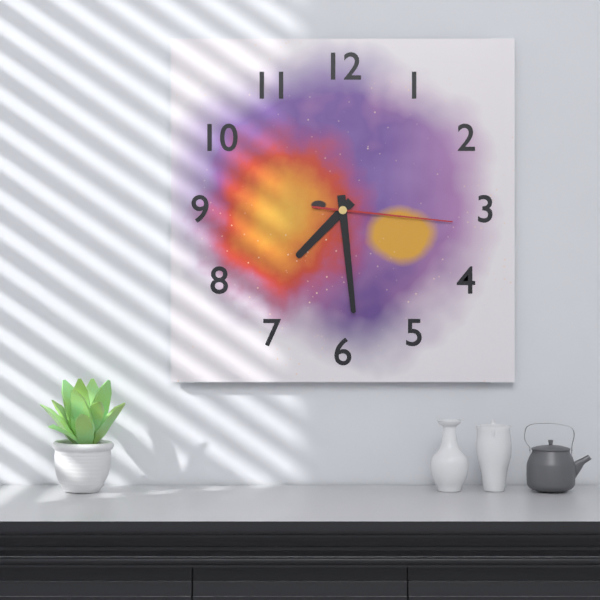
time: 7:29:16
